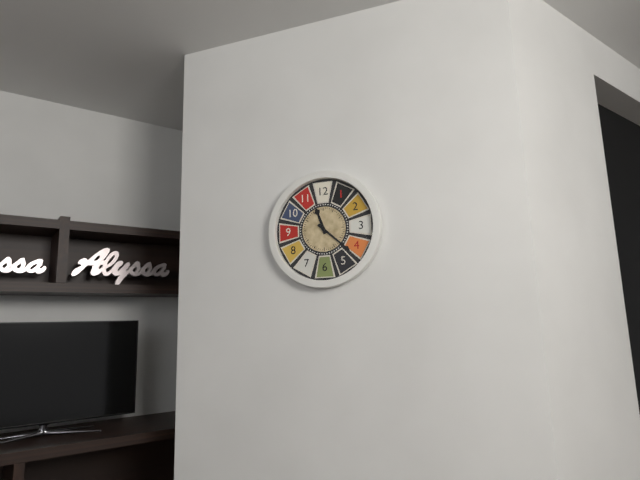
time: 11:22
